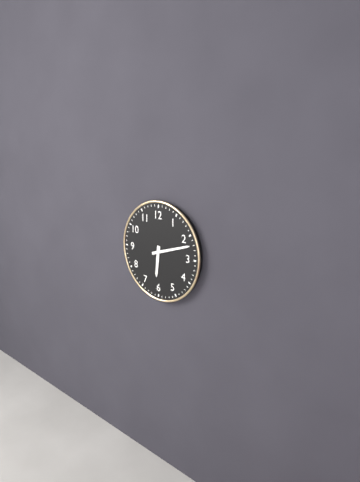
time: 6:12
